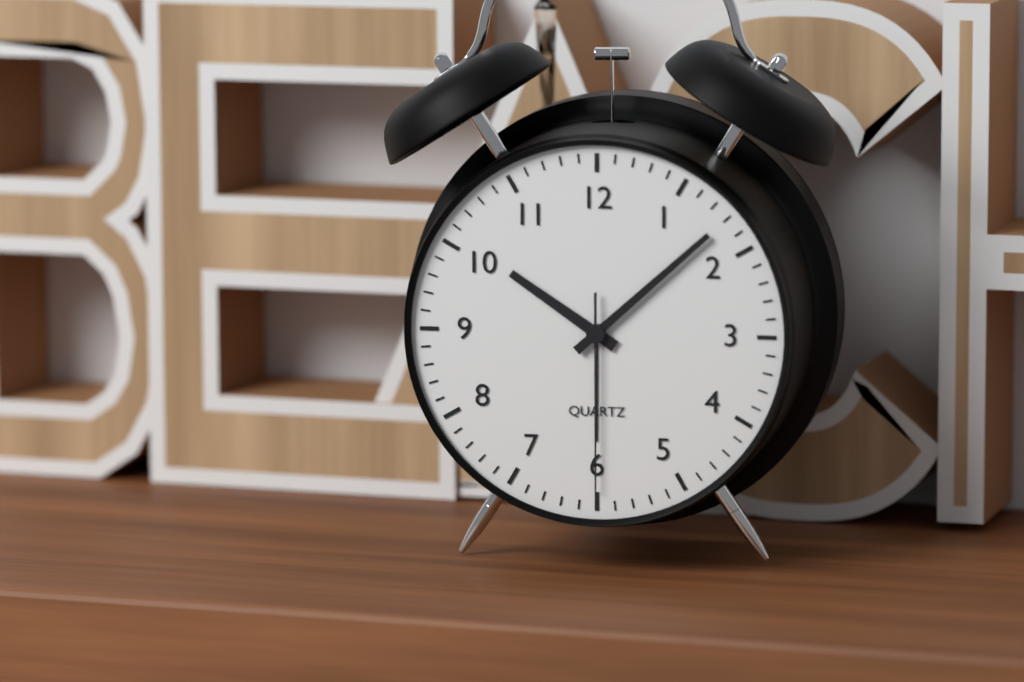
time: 10:08:30
